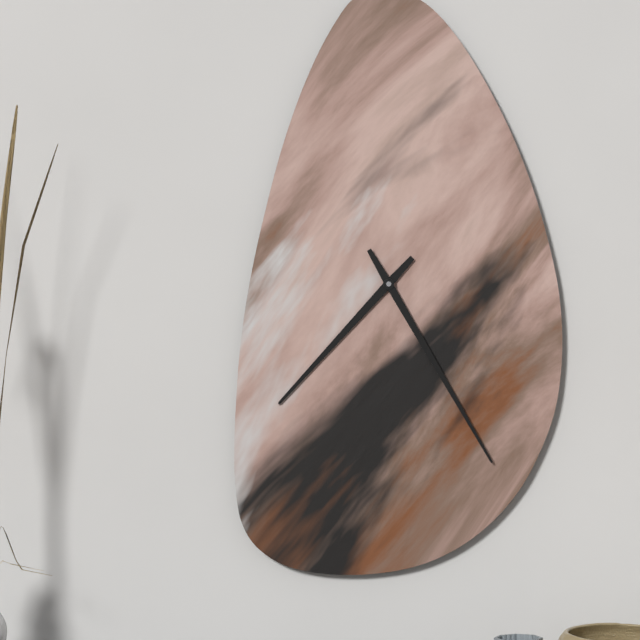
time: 7:25
